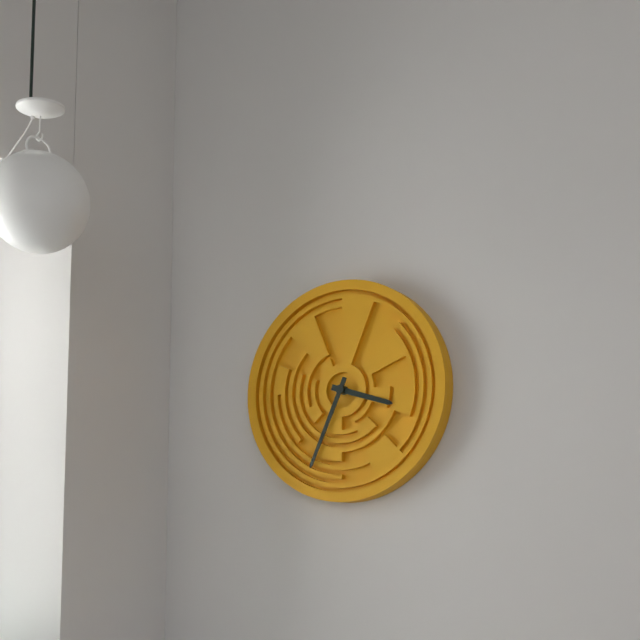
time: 3:34
